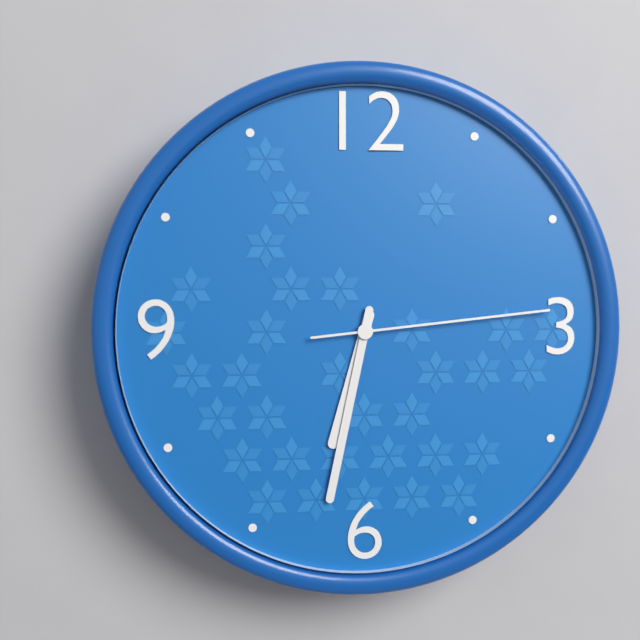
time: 6:32:14
